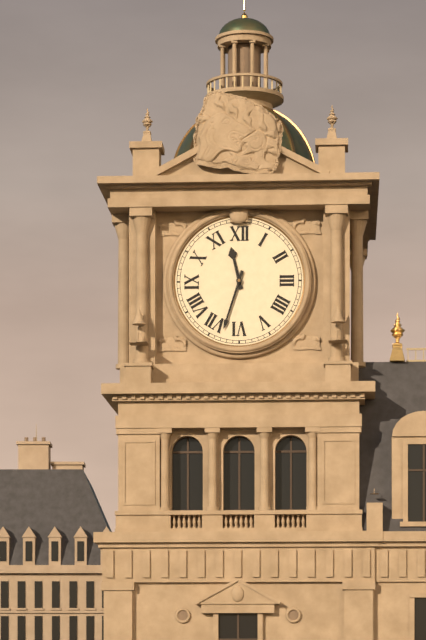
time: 11:33
